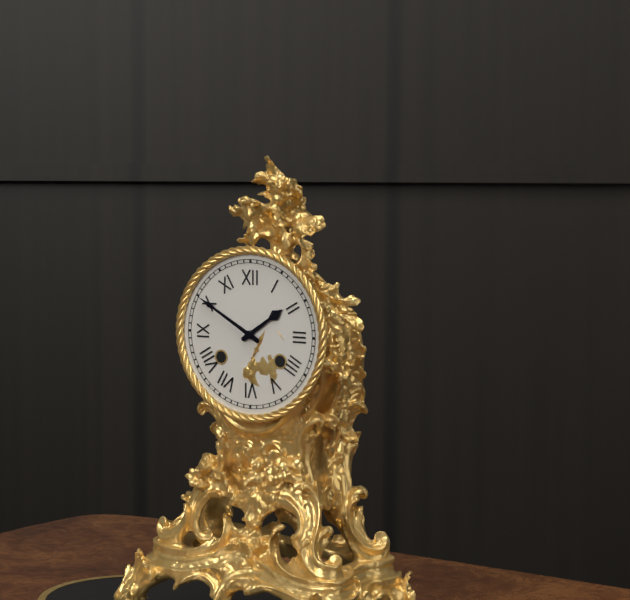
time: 1:50
